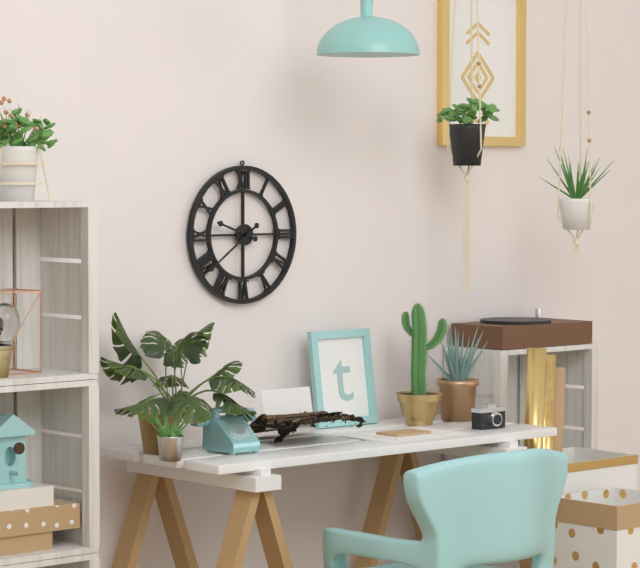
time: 9:39
